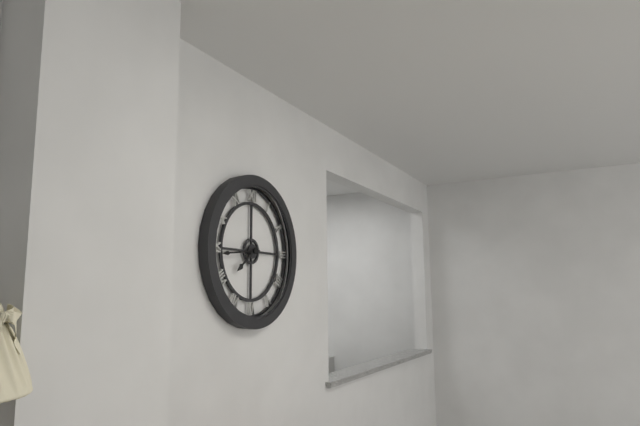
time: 7:44
